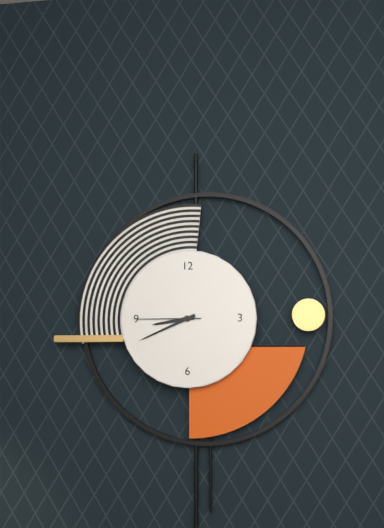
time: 8:41:45
